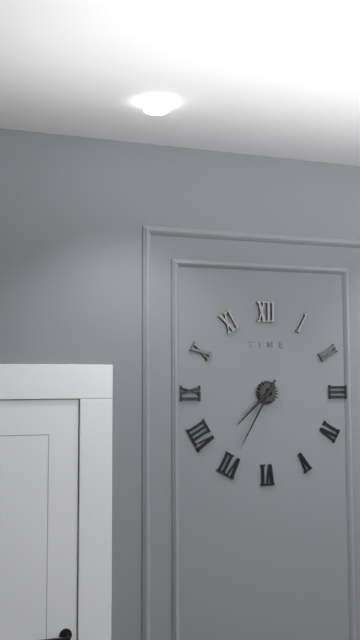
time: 7:35
